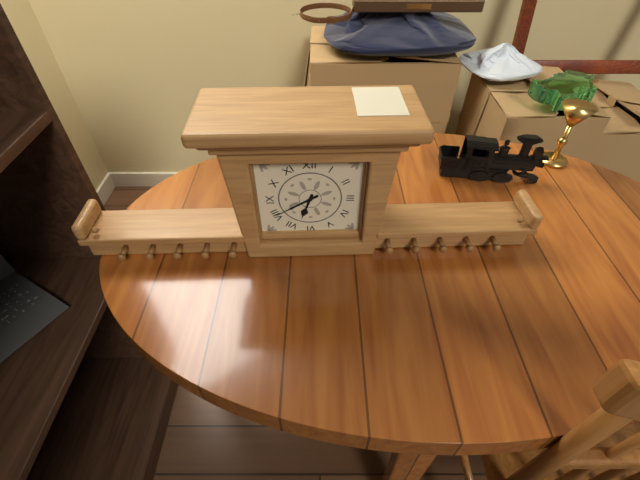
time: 6:40
